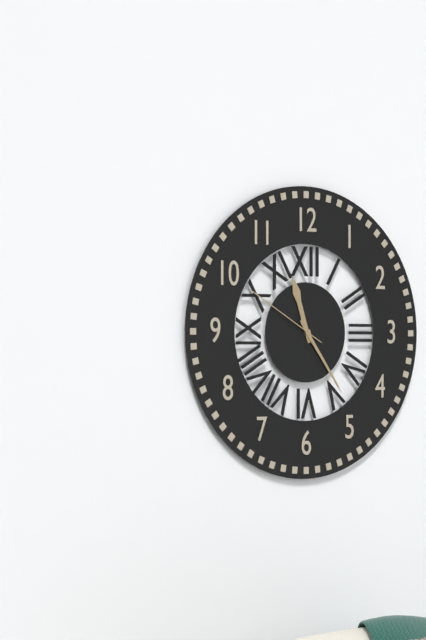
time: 11:24:50
